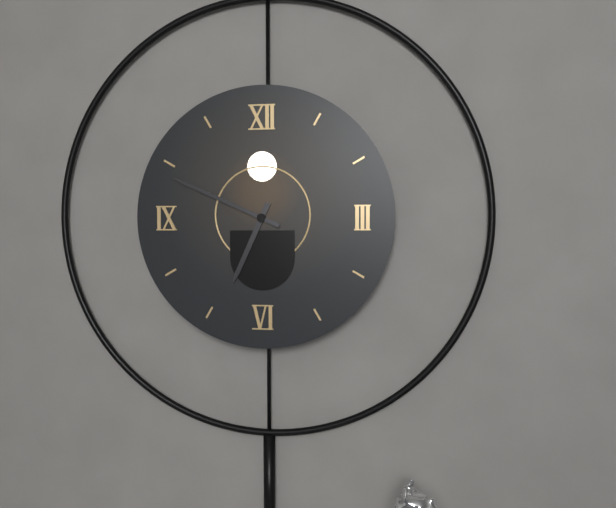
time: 6:49
